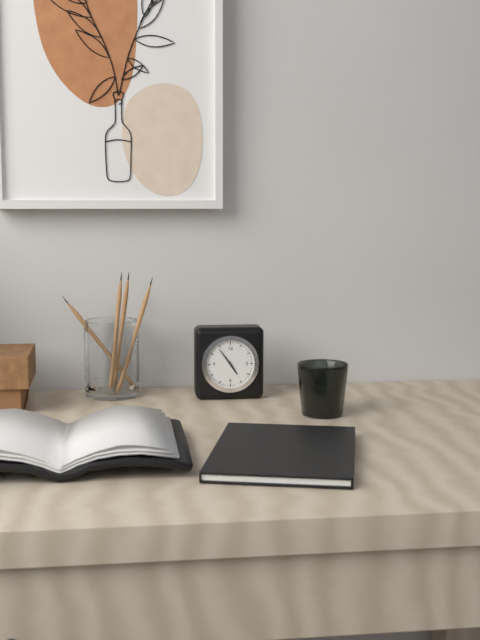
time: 4:54
